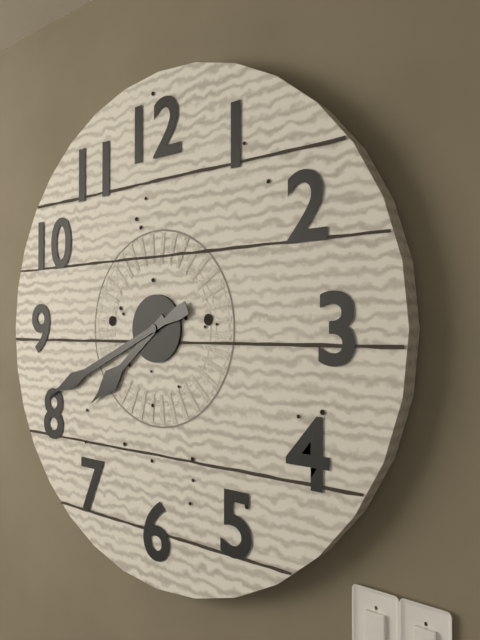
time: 7:41
